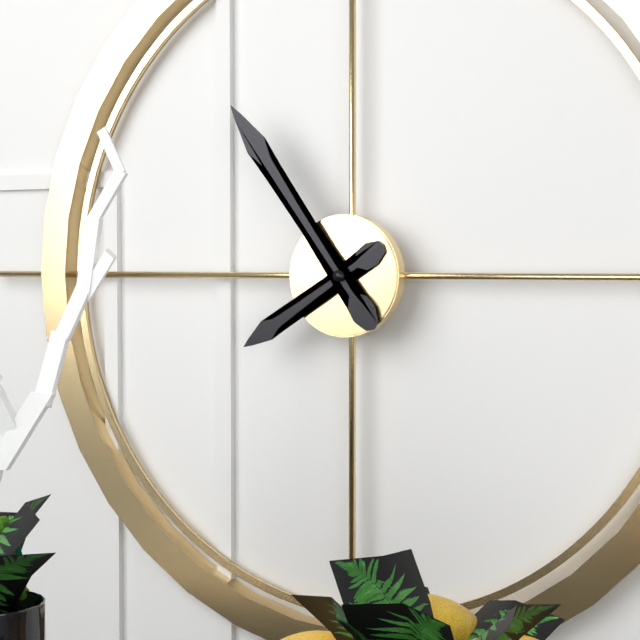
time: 7:54
